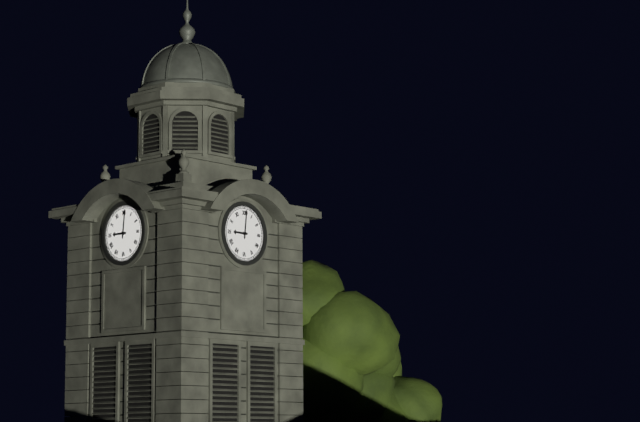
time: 9:01
